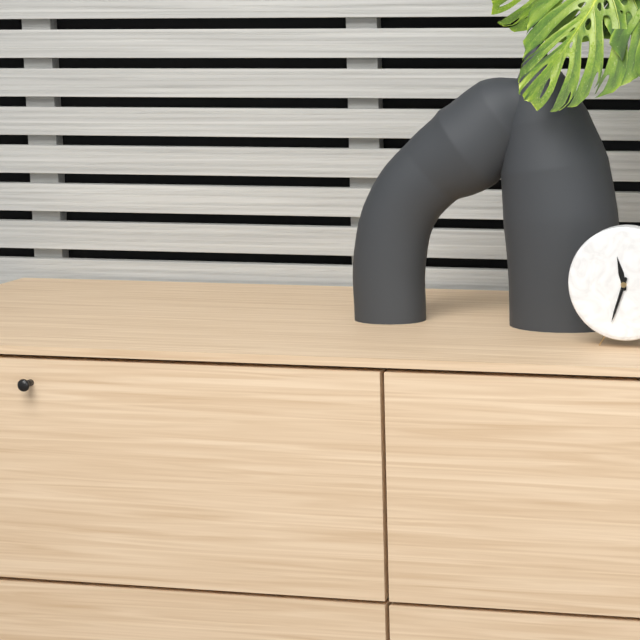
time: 11:33
